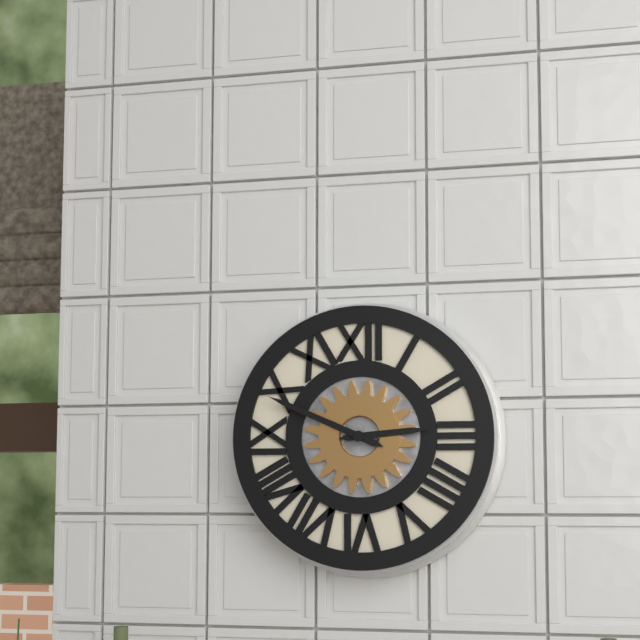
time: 2:49
